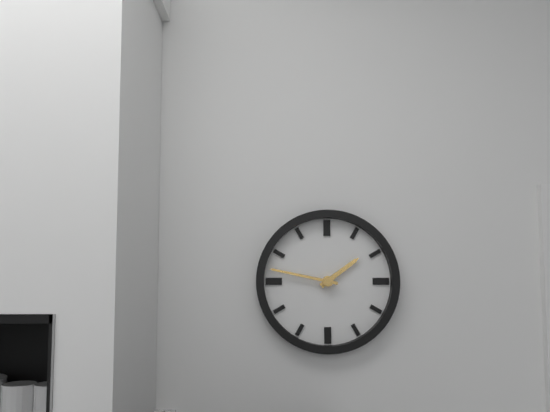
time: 1:47
